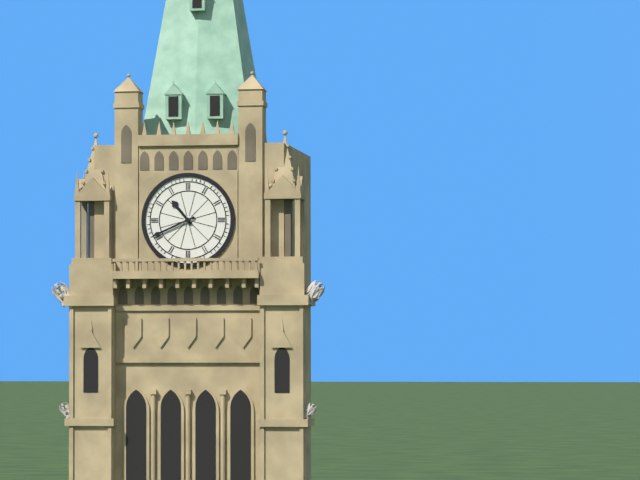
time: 10:41
